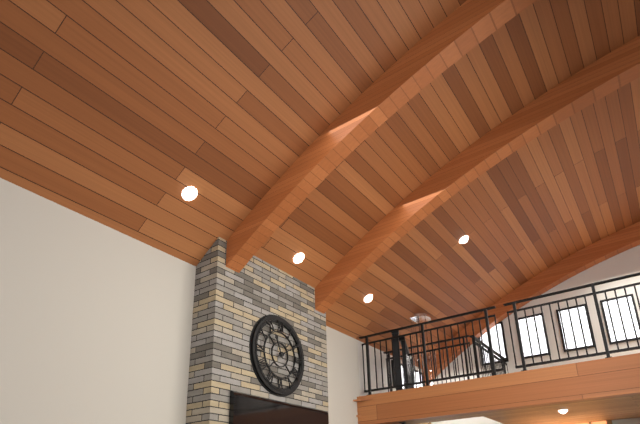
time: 11:10
